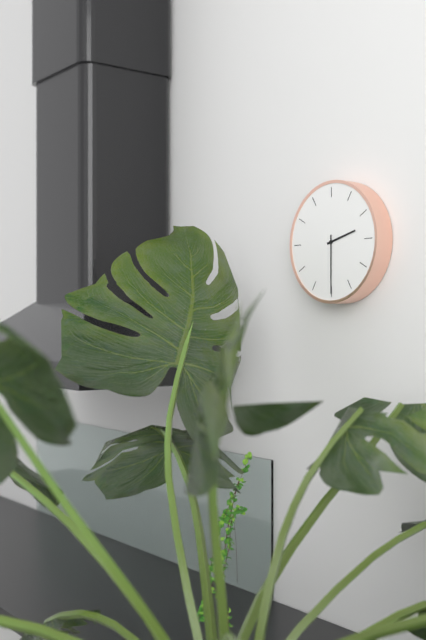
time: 2:30
